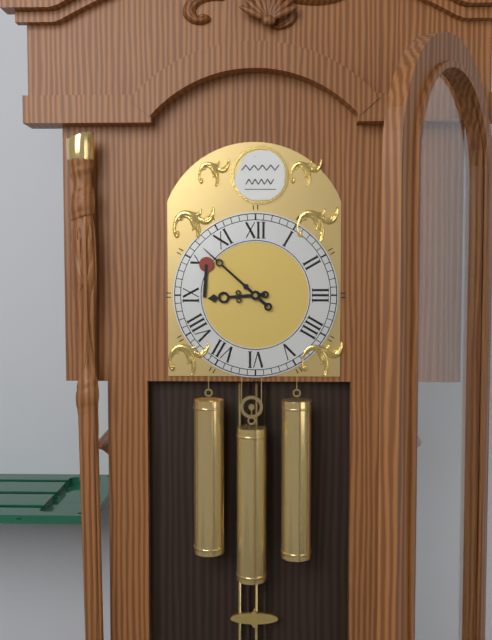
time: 8:52
